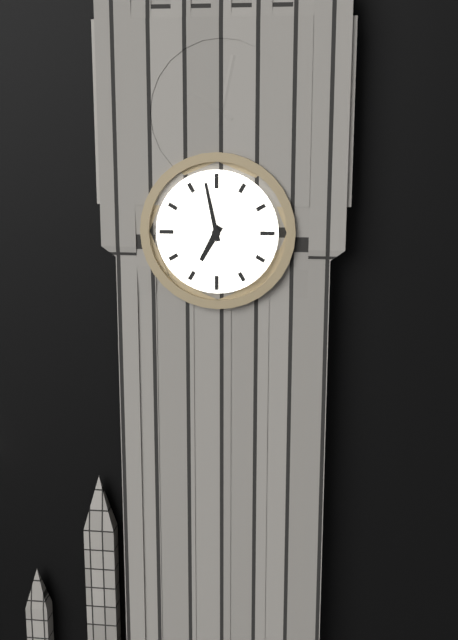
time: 6:58
